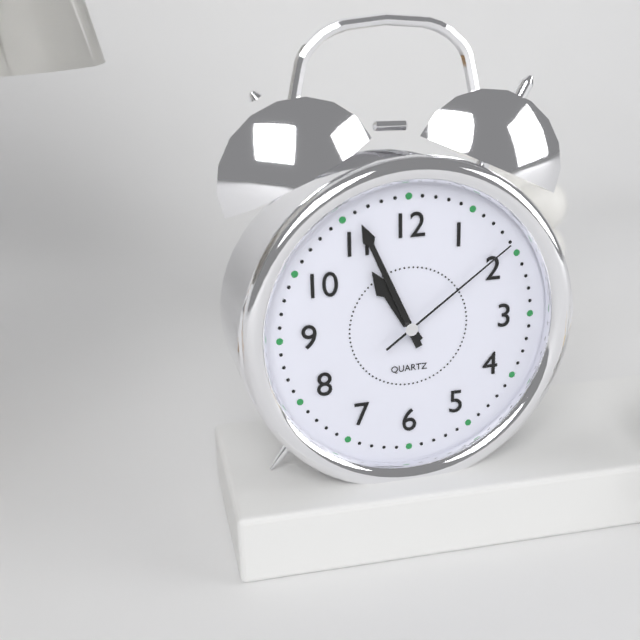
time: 10:56:09
